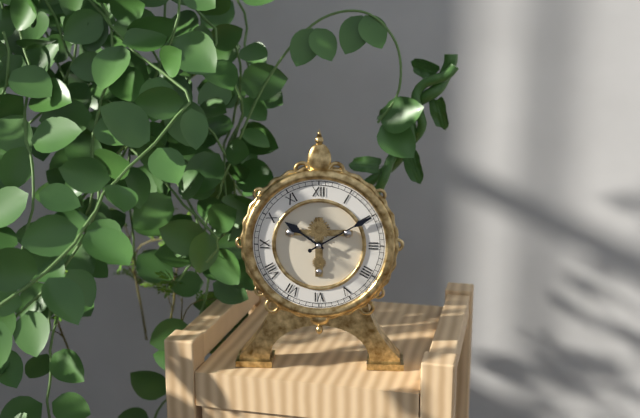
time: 10:10
